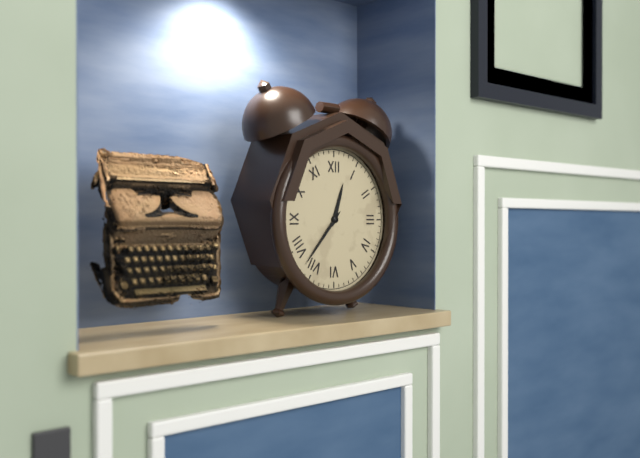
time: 12:37
